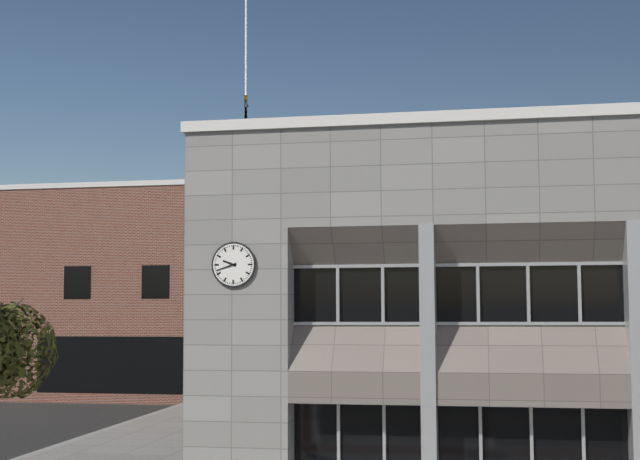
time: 9:42
